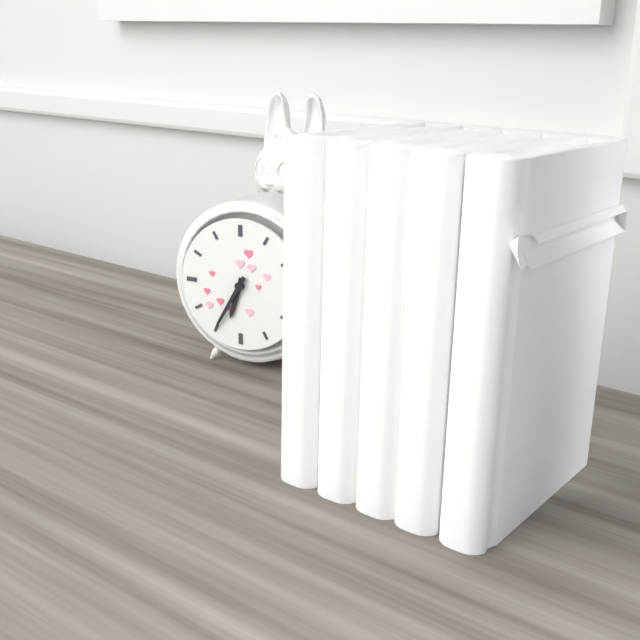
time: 6:35
